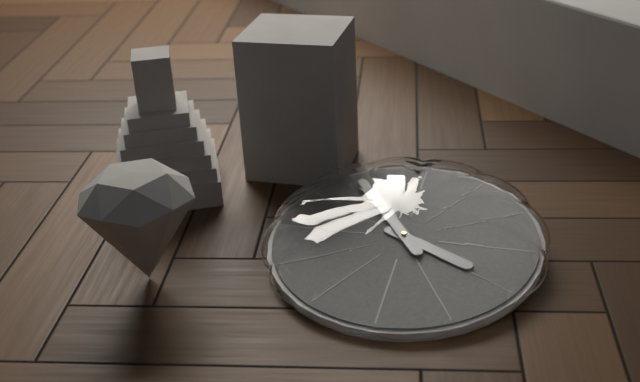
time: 3:54
